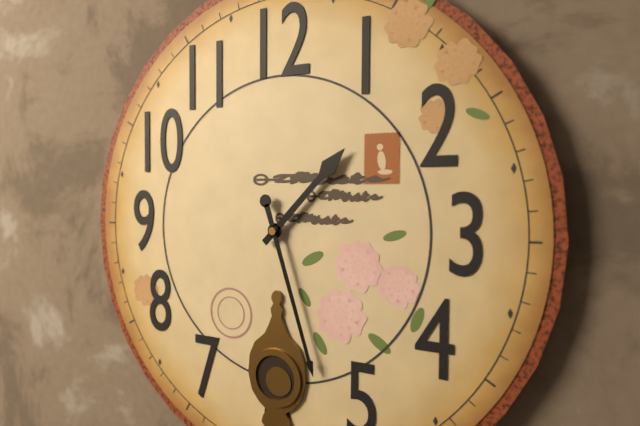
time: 1:27
